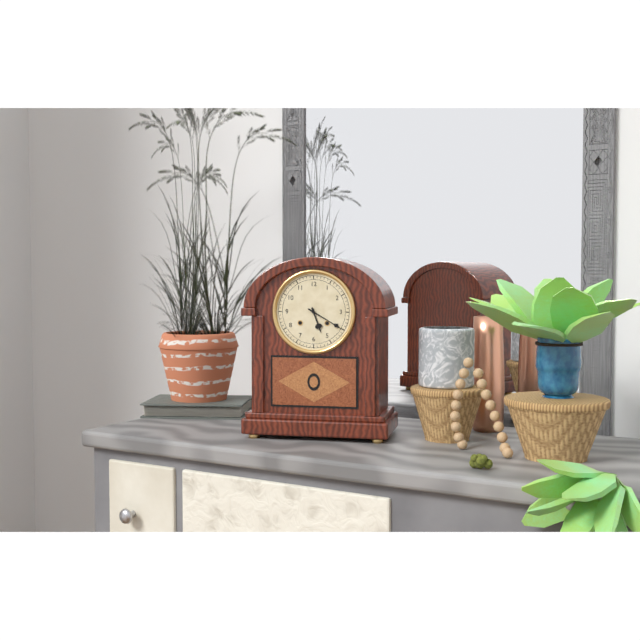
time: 5:20
